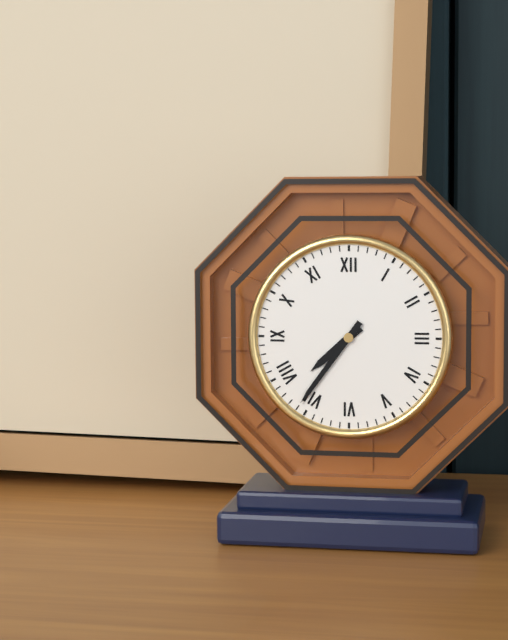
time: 7:36
